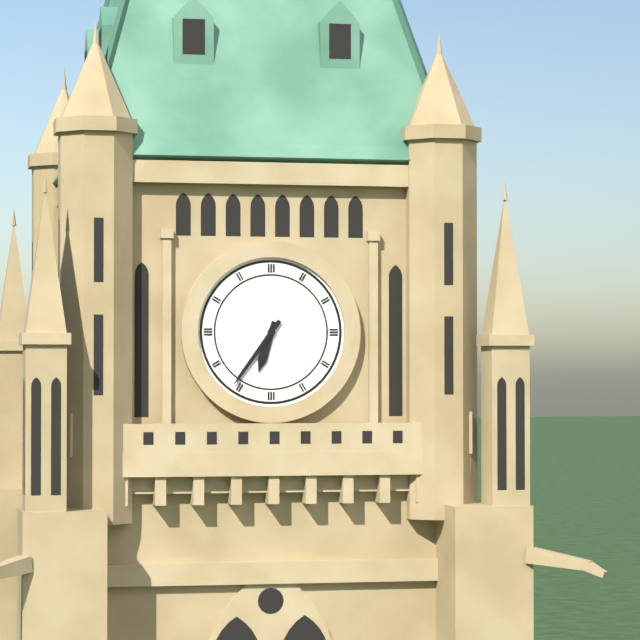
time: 6:36
